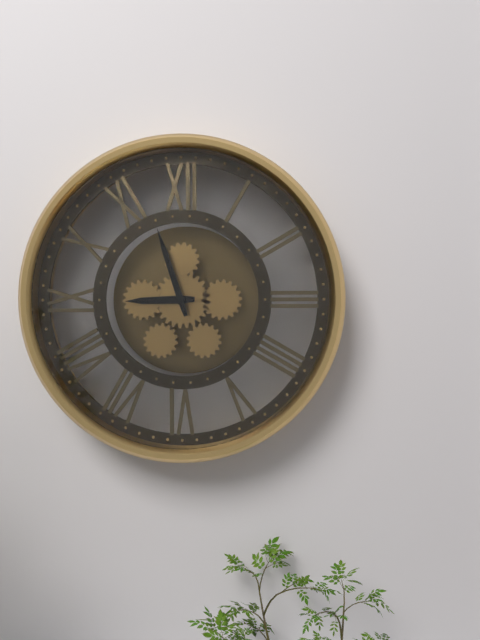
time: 8:57
